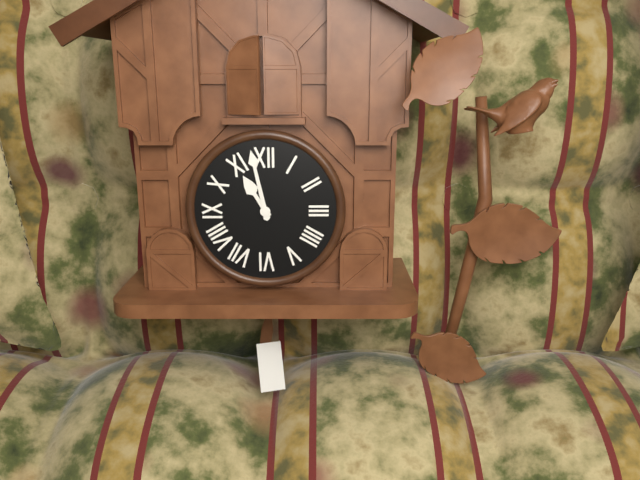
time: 10:58
